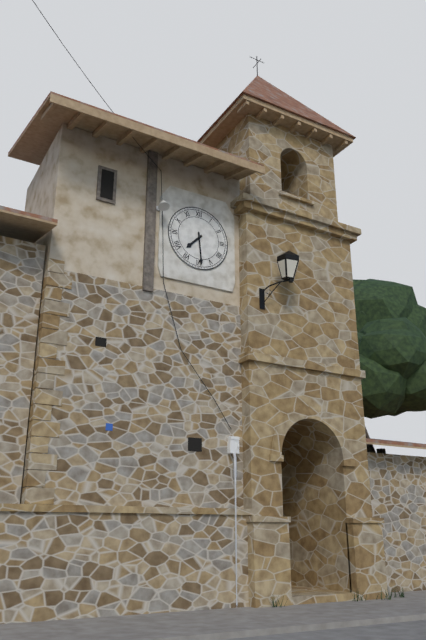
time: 7:29
